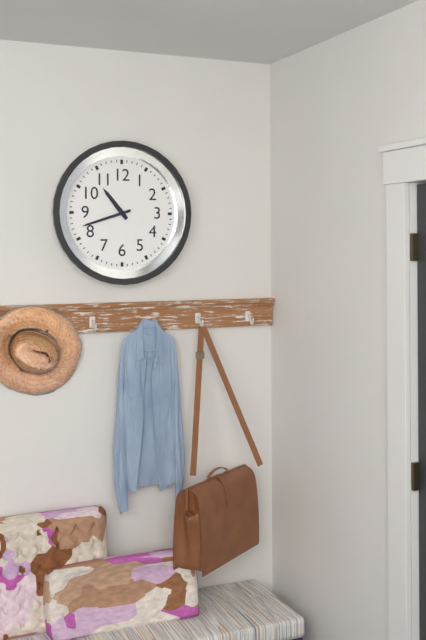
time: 10:42
